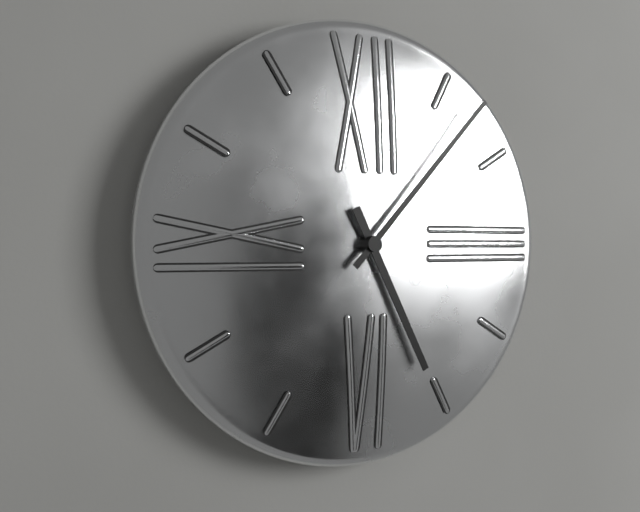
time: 5:07
